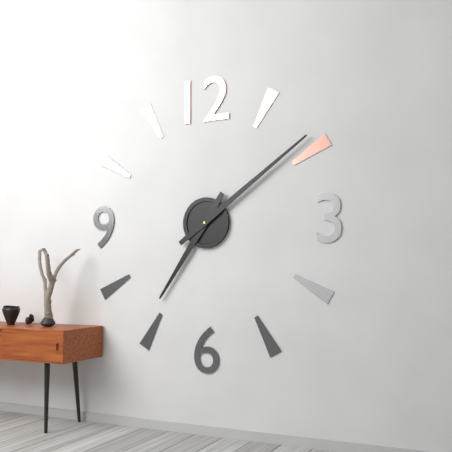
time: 7:09
